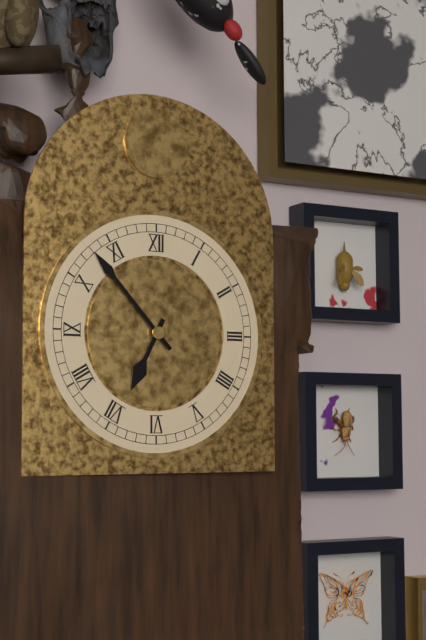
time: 6:53
